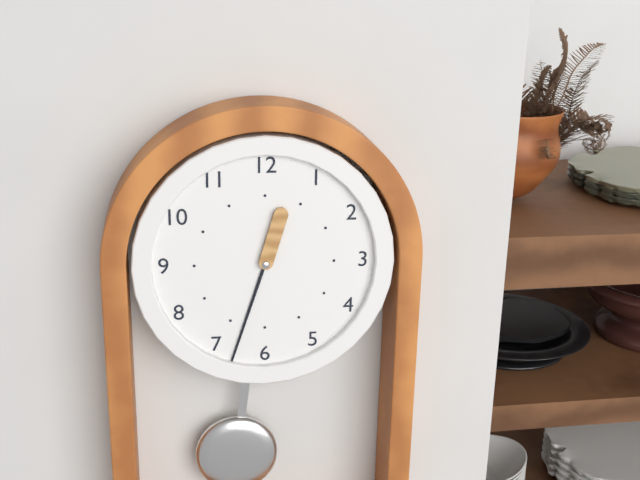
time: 12:33
